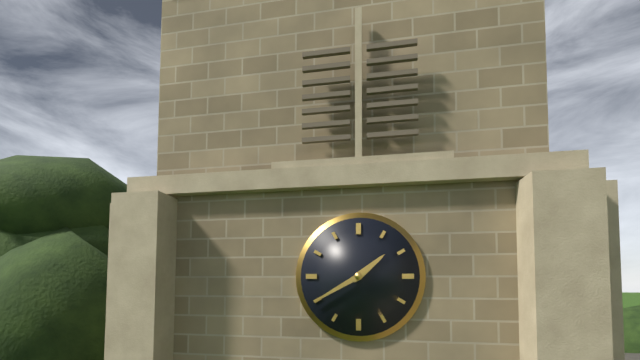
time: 1:40
